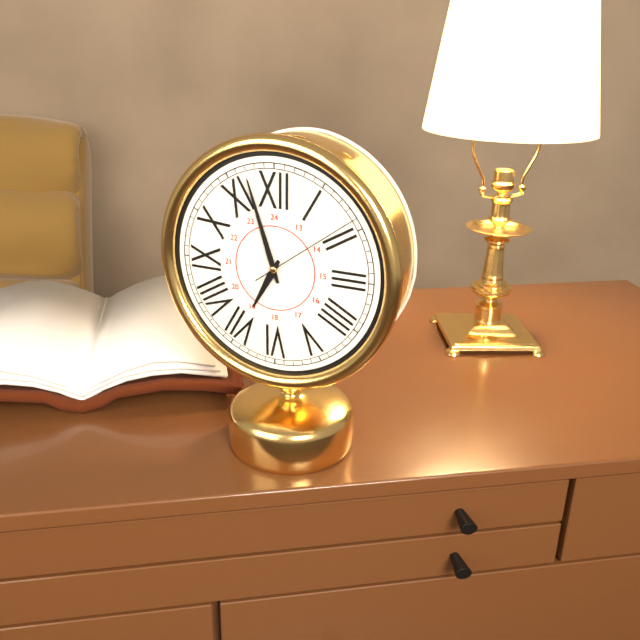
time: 6:57:09
